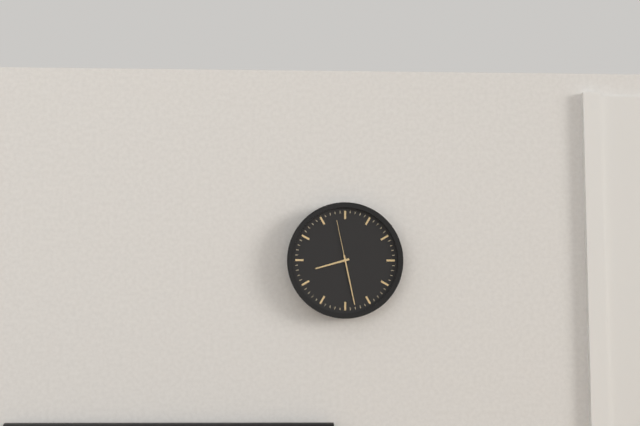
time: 8:28:58
